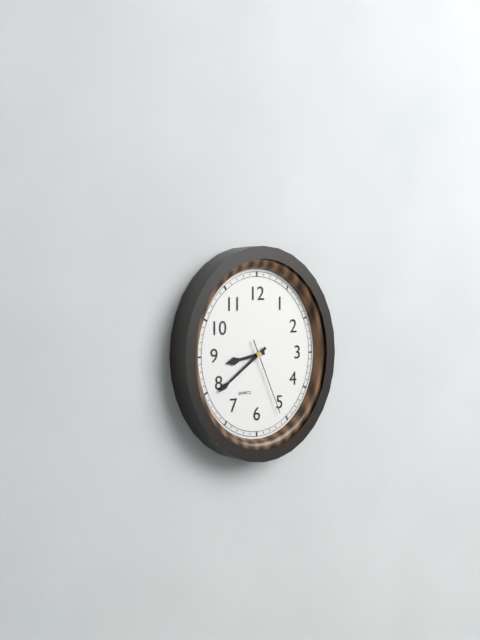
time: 8:39:26
